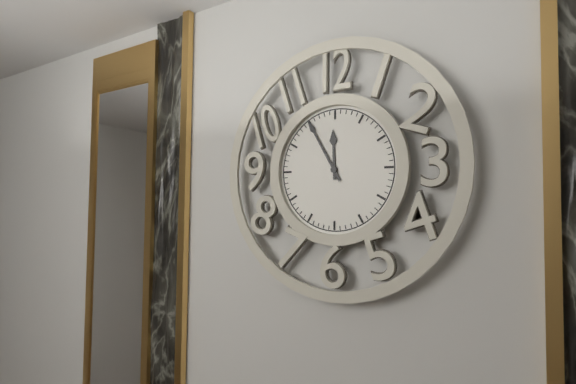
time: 11:55
